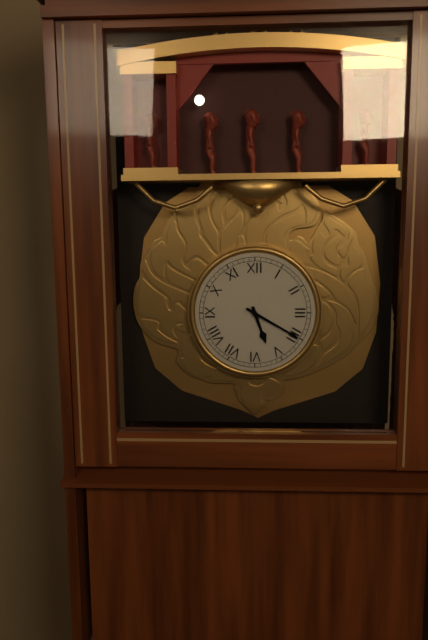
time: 5:20
